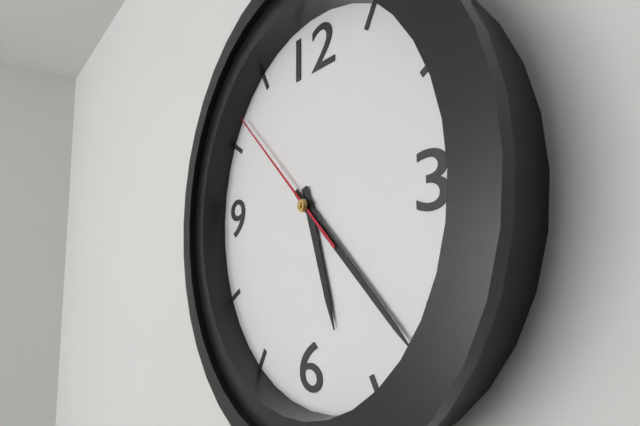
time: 5:22:52
